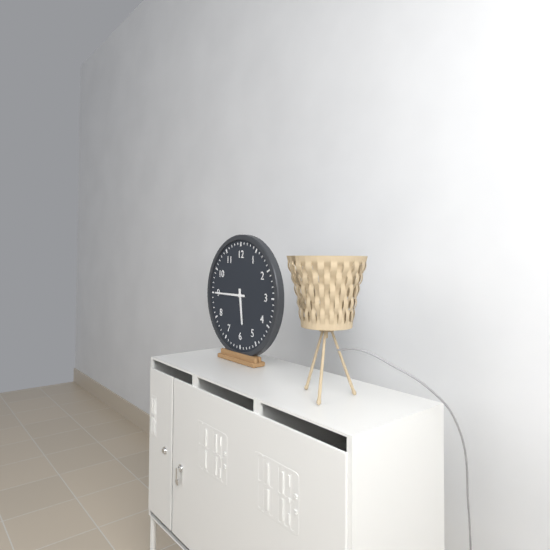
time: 5:45
